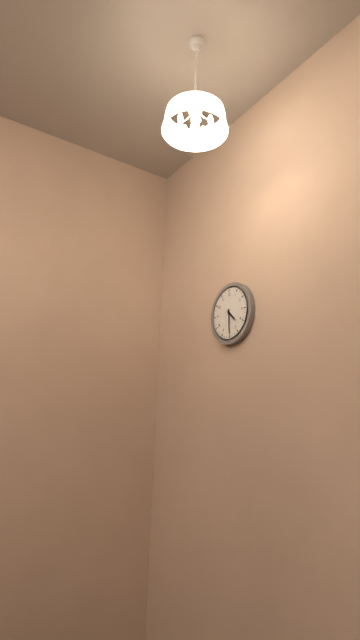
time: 4:30
